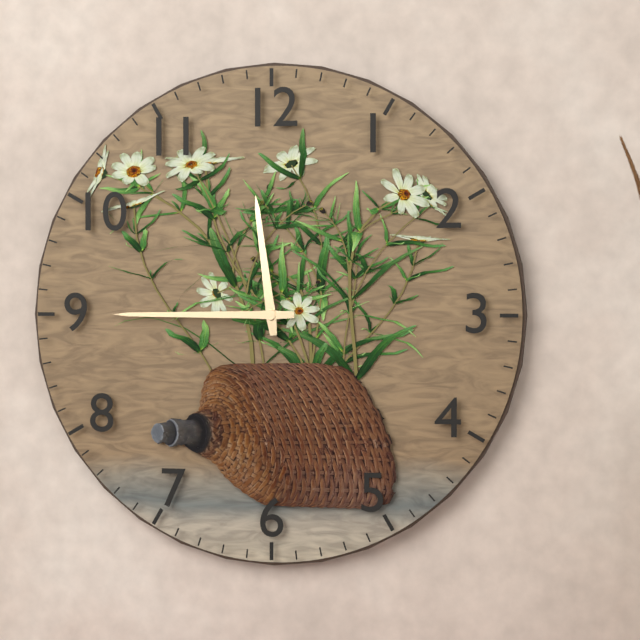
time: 11:45
